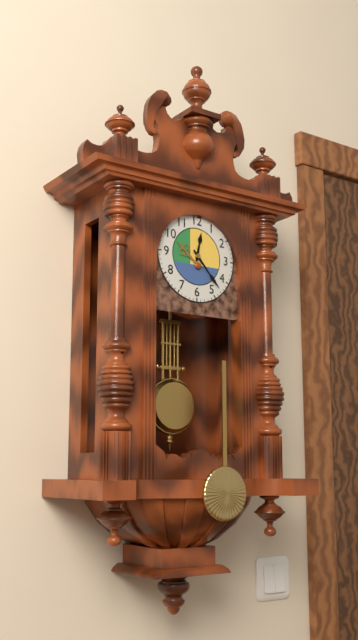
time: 12:23
